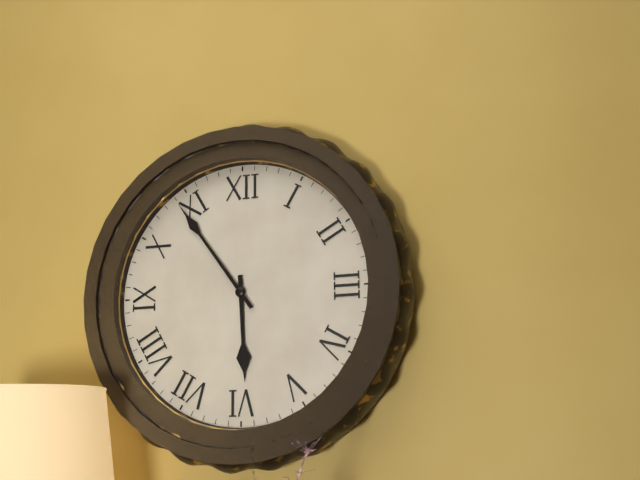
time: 5:54
